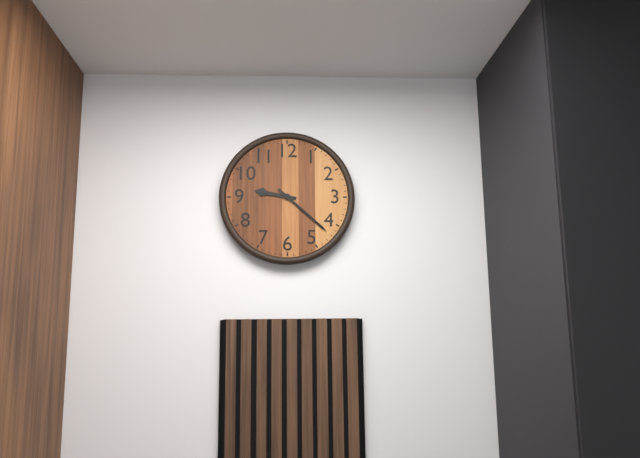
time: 9:22
